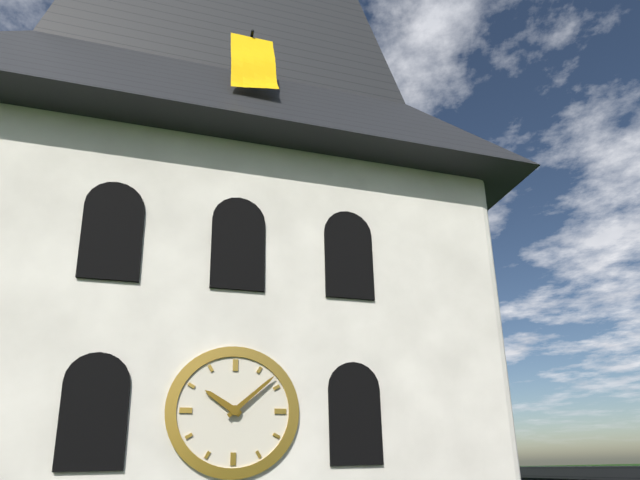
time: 10:08
